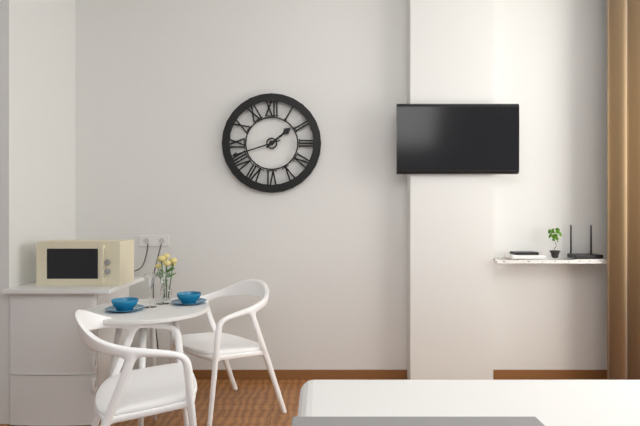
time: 1:42
